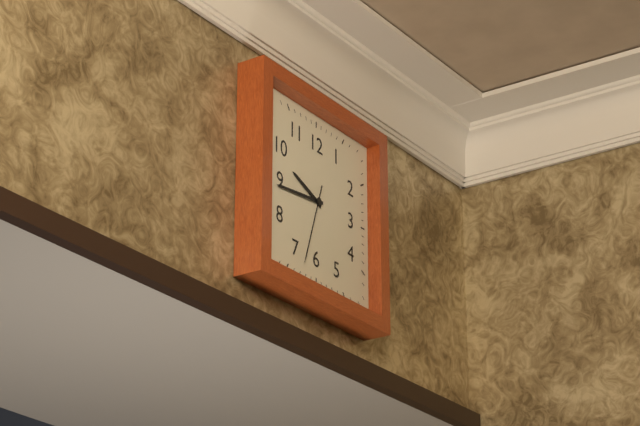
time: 9:44:33
